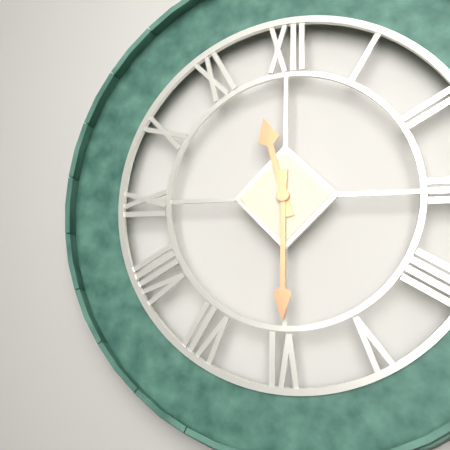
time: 11:30
